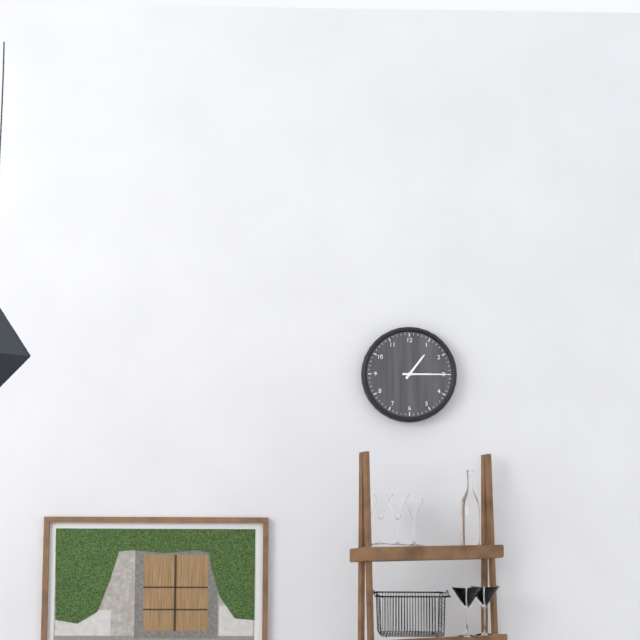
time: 1:15
